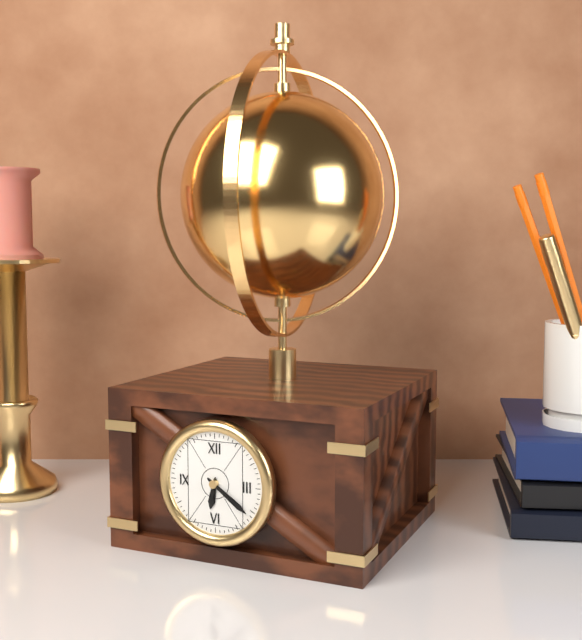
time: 6:21
